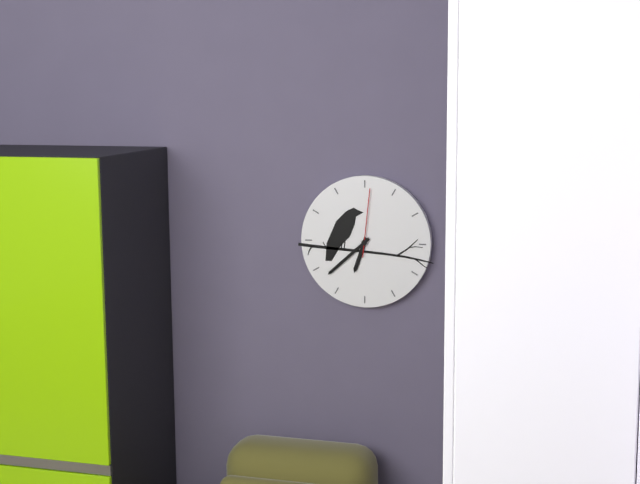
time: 6:38:01
